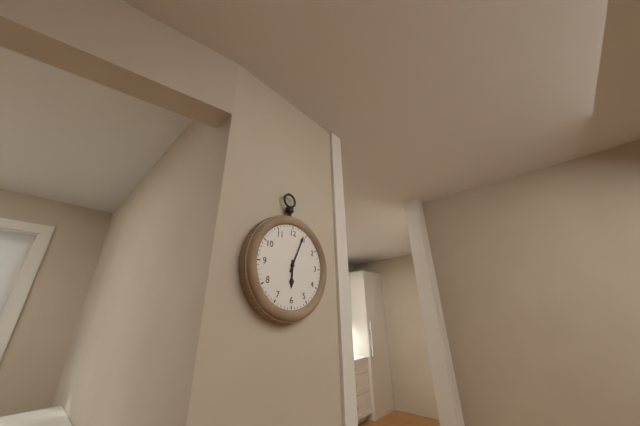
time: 6:04
